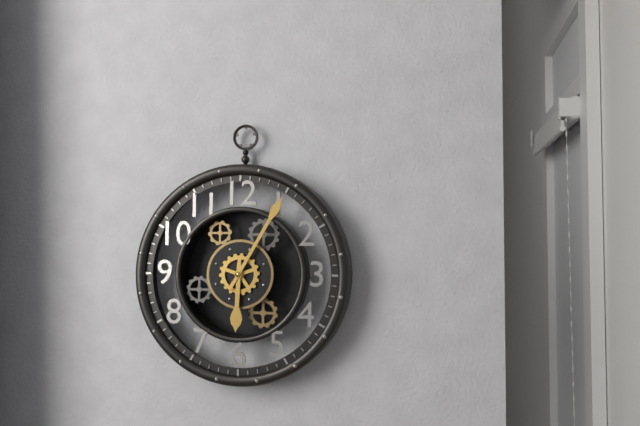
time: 6:05
